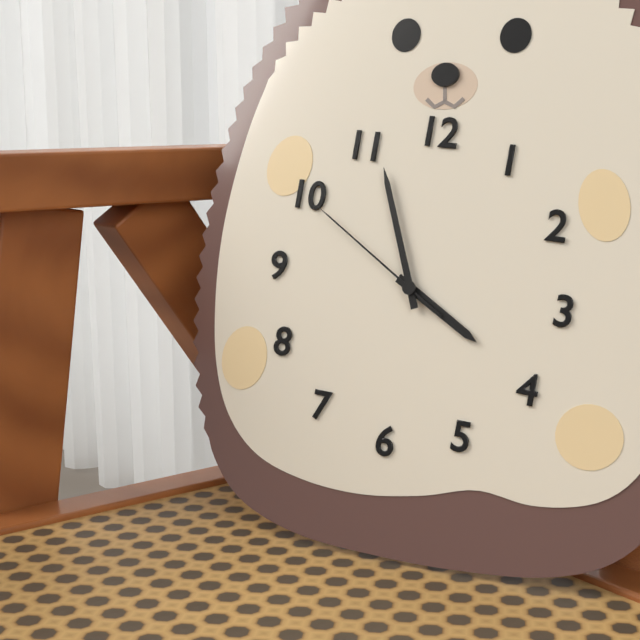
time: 3:56:50
